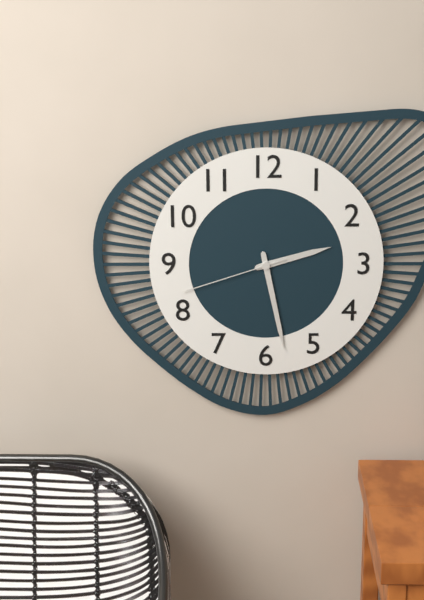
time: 2:28:42
